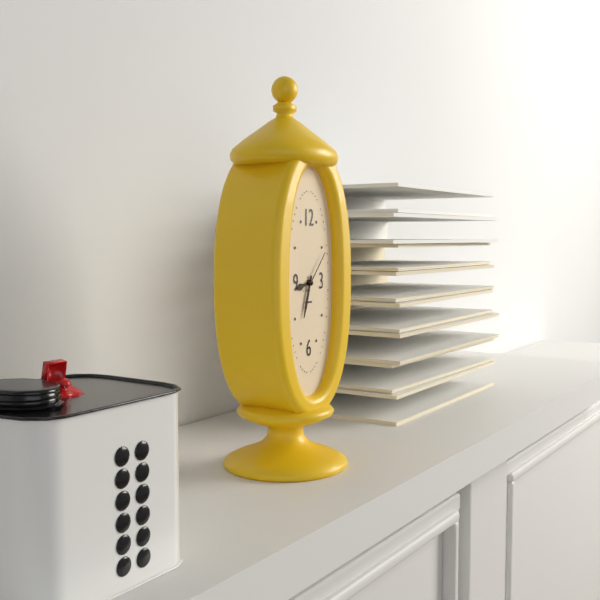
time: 8:33
